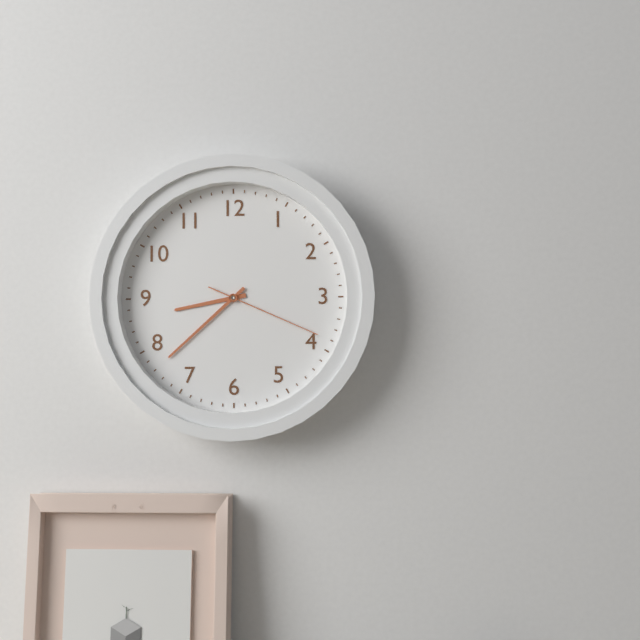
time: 8:38:19
